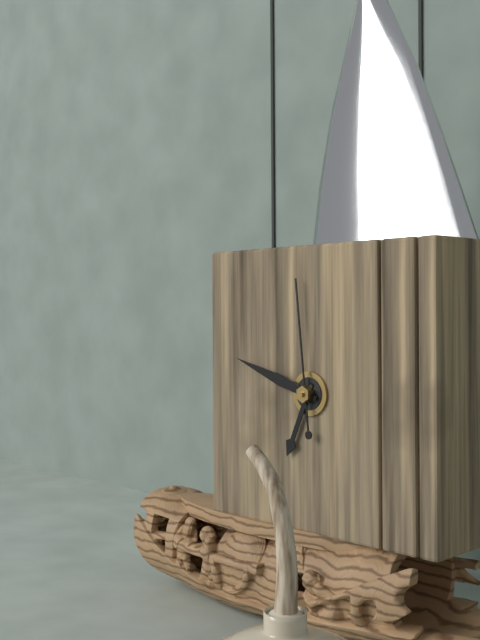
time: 6:48:59
